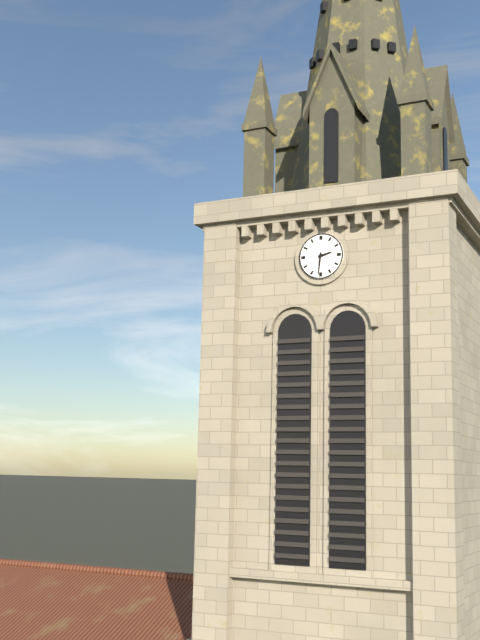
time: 2:31
